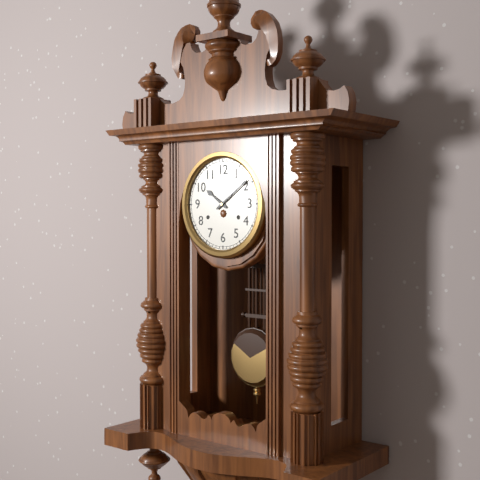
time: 10:09
